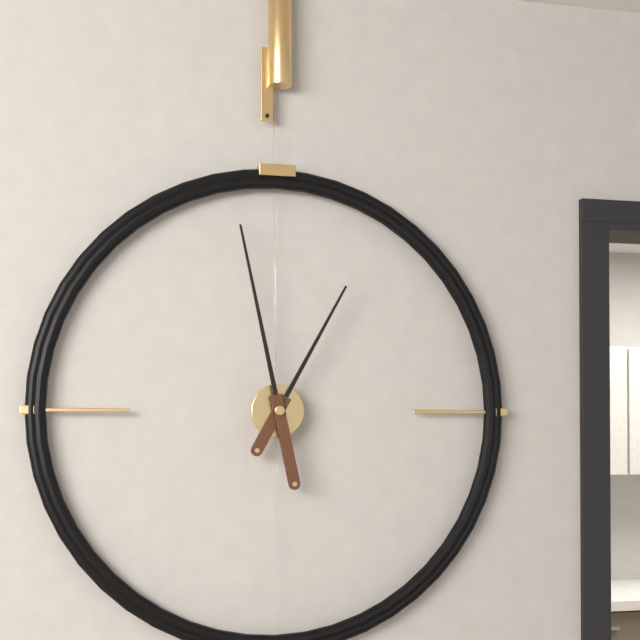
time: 12:58
